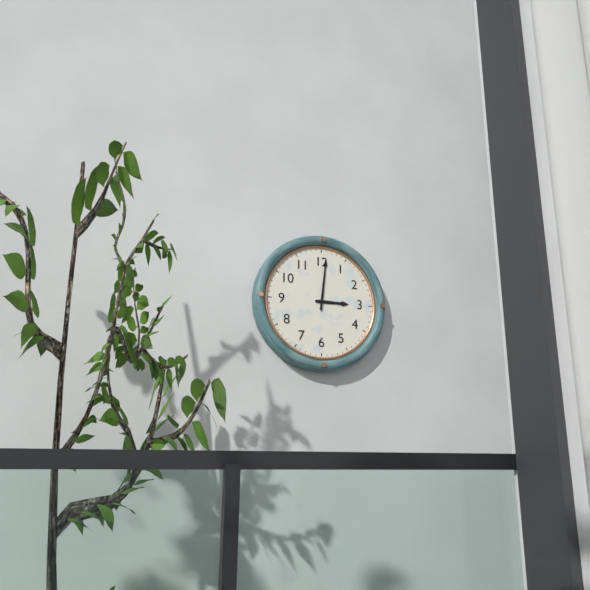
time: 3:01
